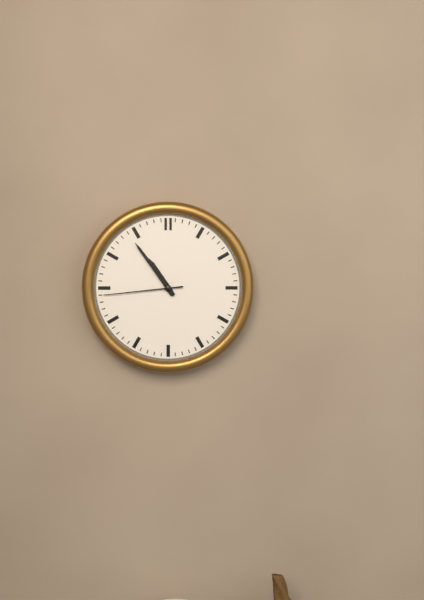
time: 10:54:44
